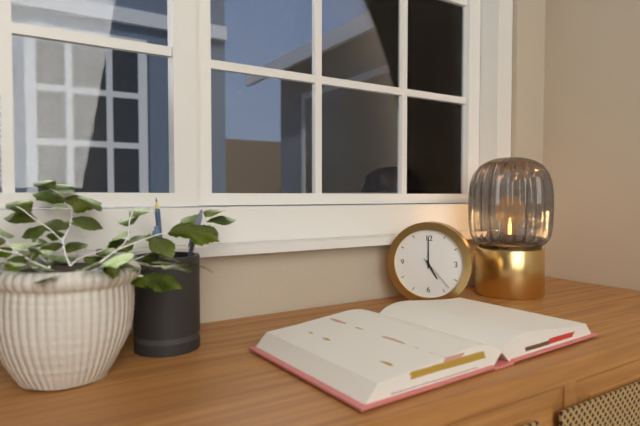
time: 5:00
